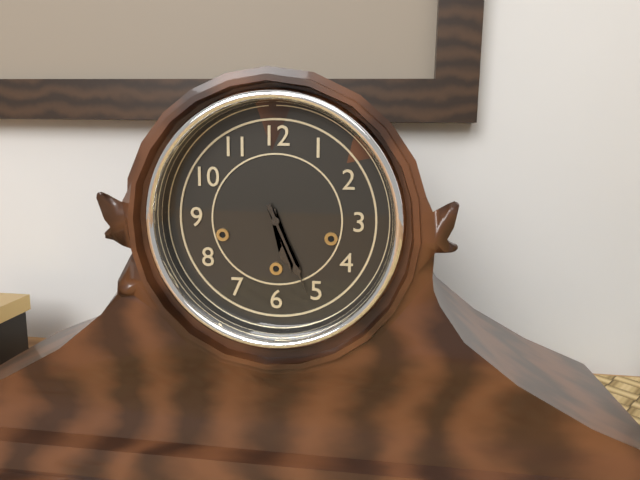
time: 5:26
